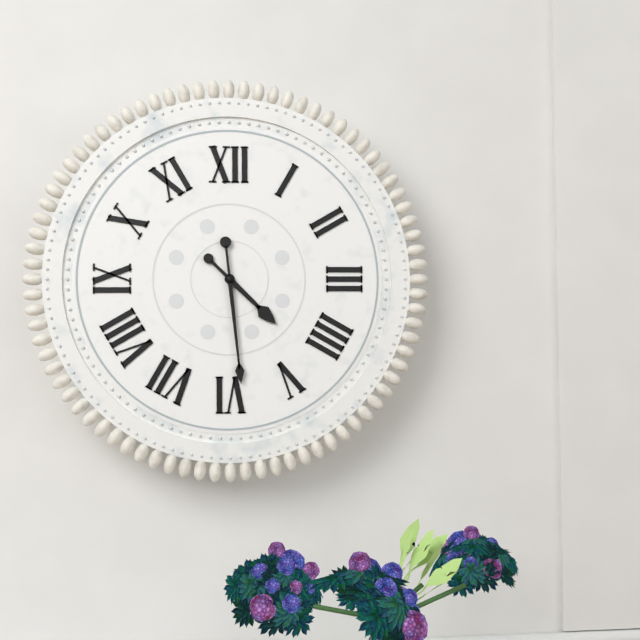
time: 4:29
